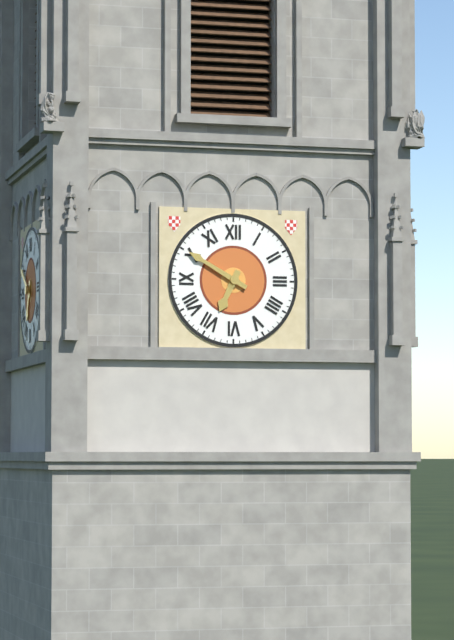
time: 6:50
